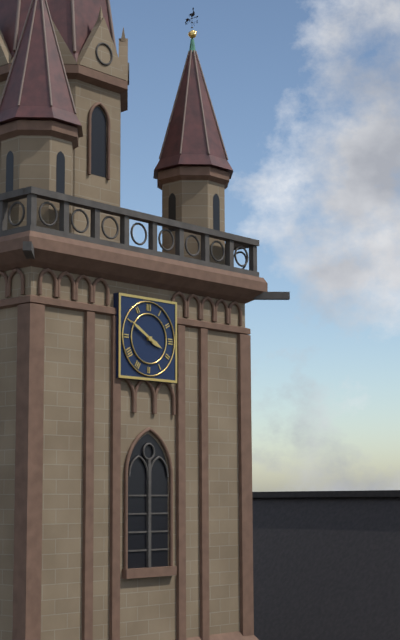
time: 3:50
